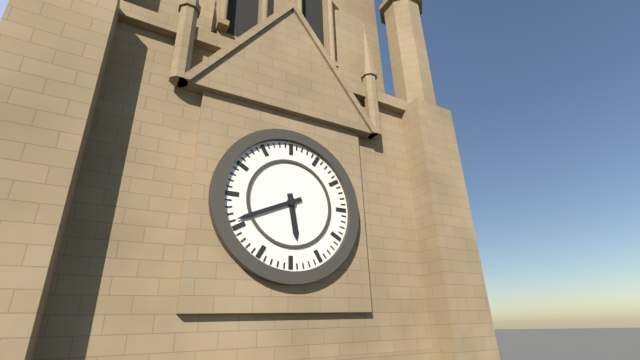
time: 5:41
